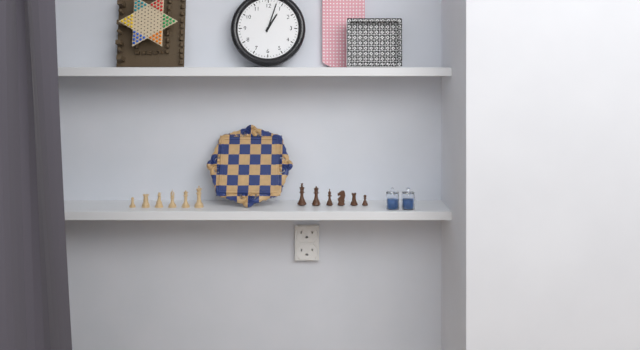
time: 1:03
